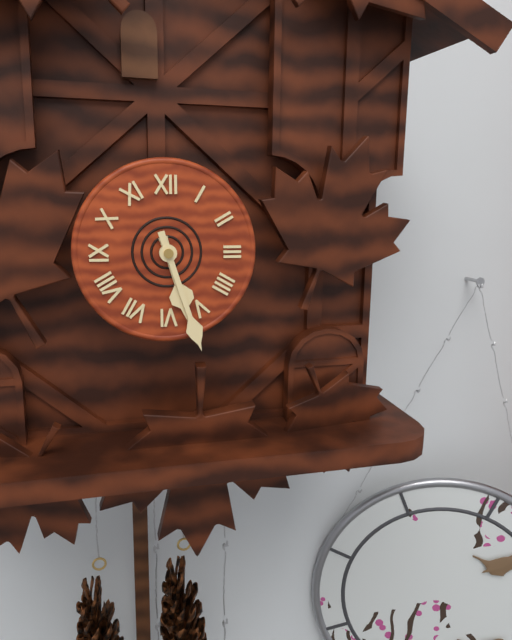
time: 5:27
